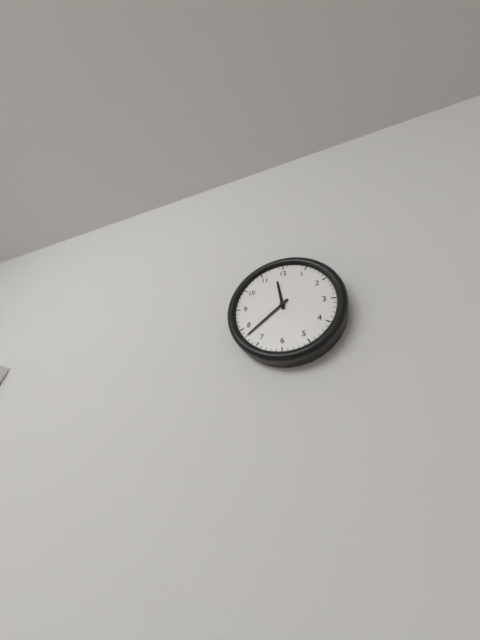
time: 11:38
